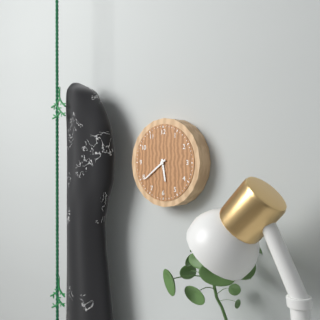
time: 5:39
